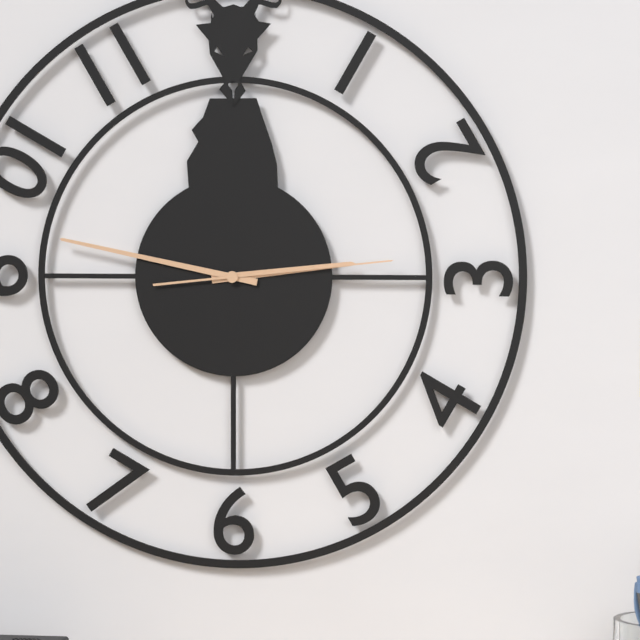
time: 2:47:14
